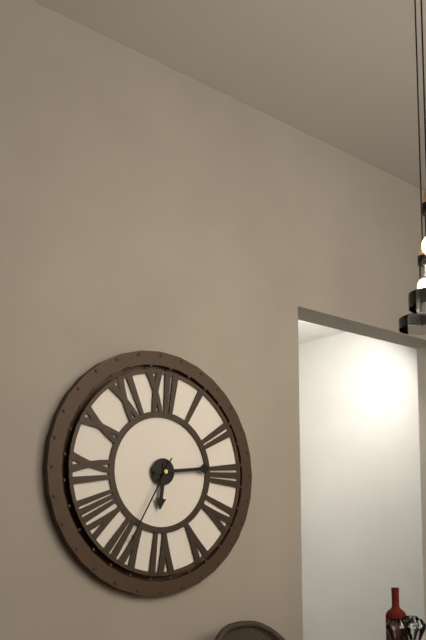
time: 6:14:35
